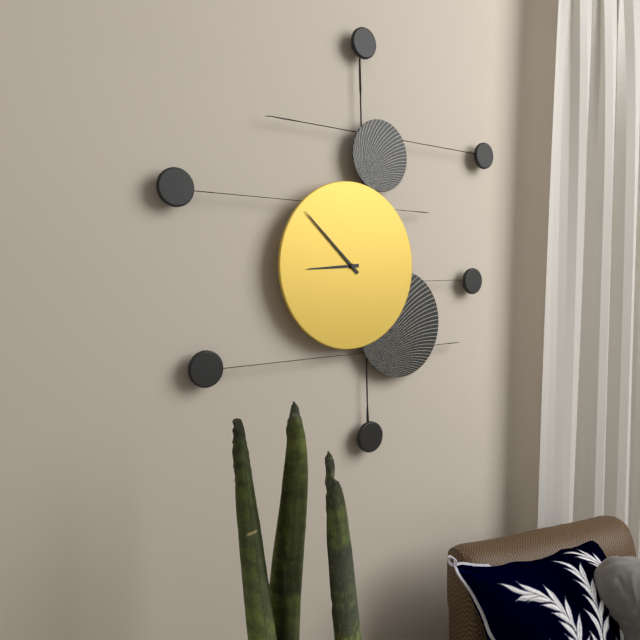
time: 8:52
